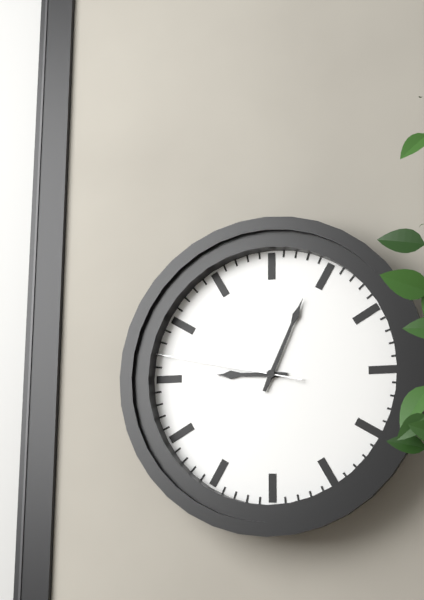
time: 9:04:47
